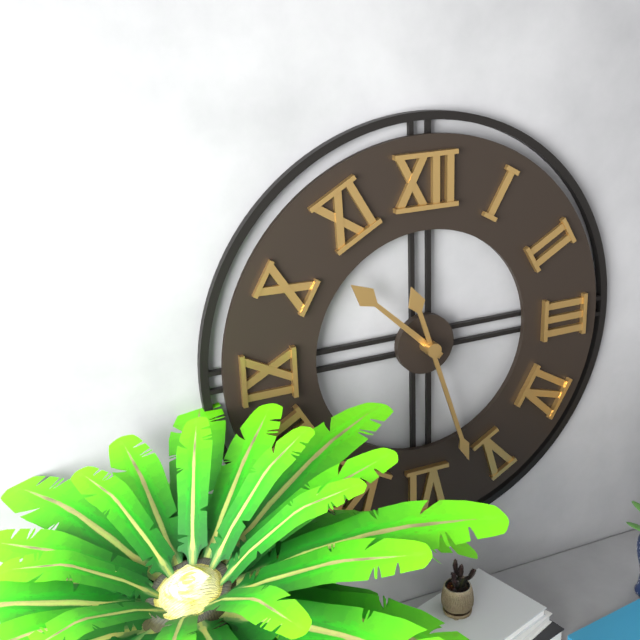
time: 10:27
